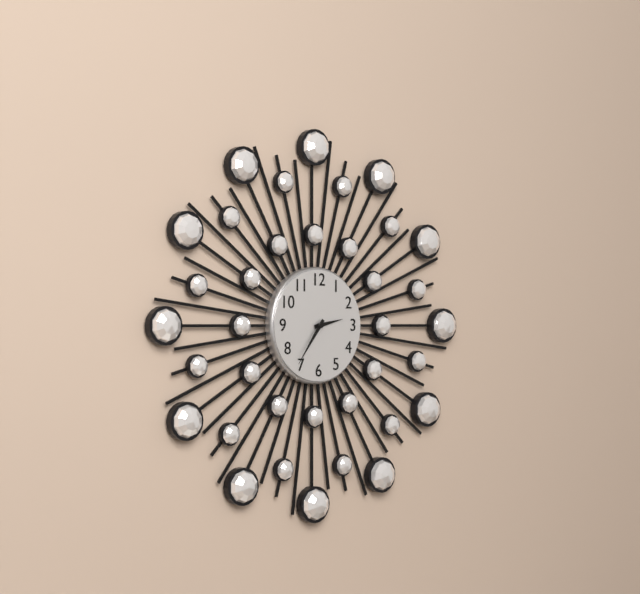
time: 2:36
